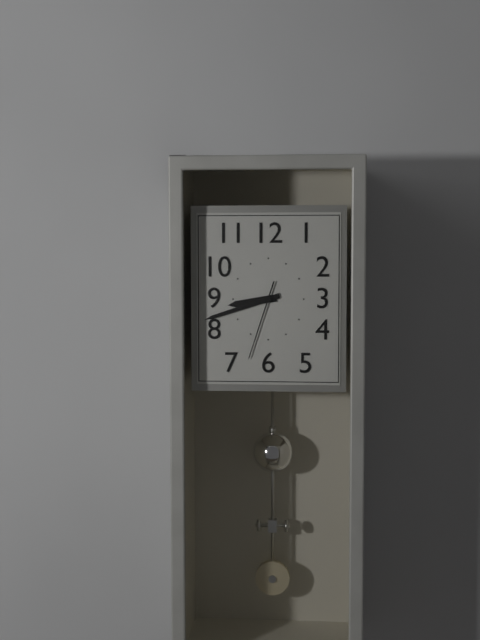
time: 8:42:33
